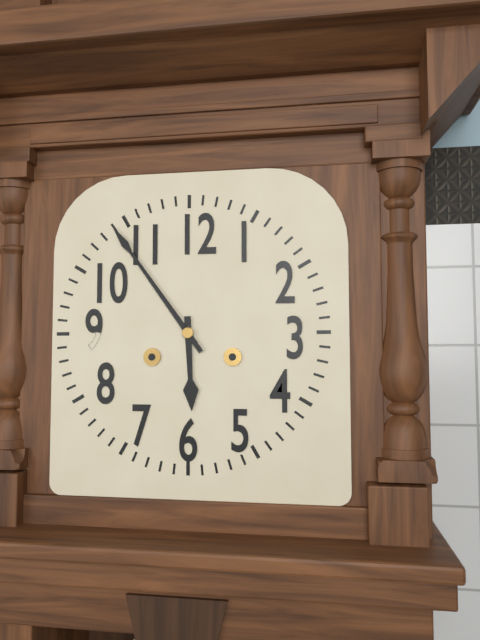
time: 5:54
